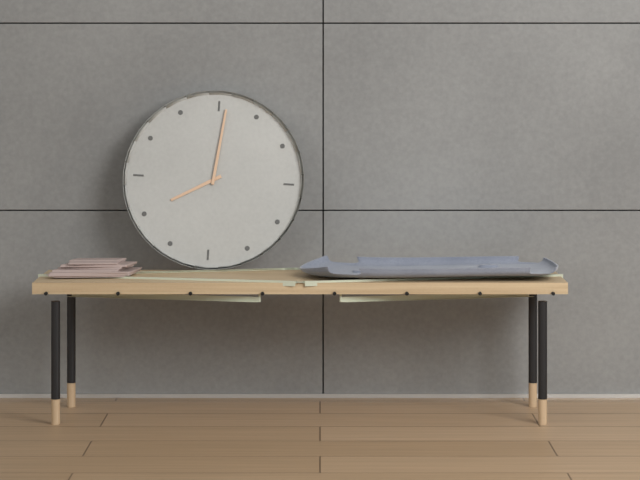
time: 8:01
